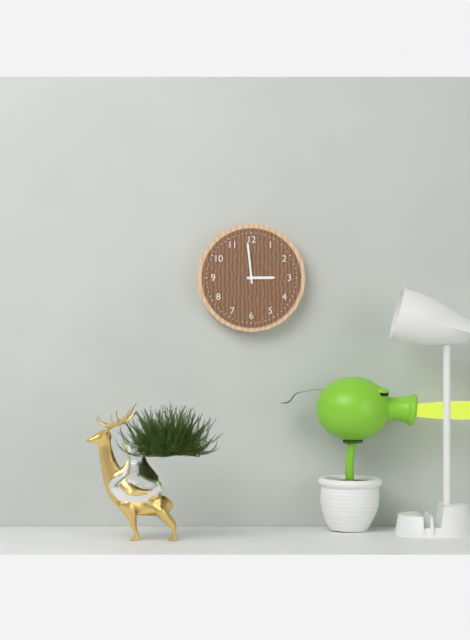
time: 2:59
